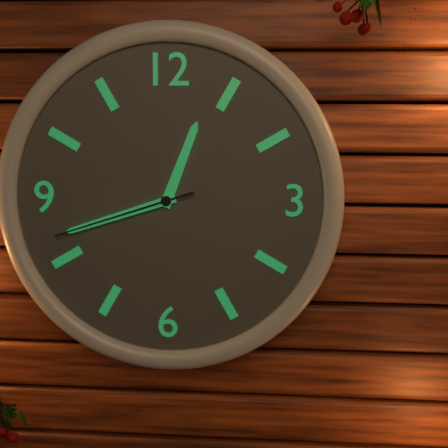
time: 12:42:42
